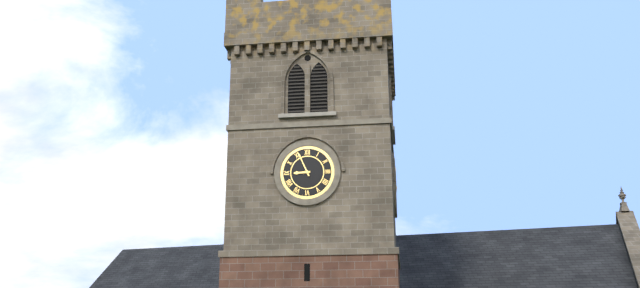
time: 8:56
